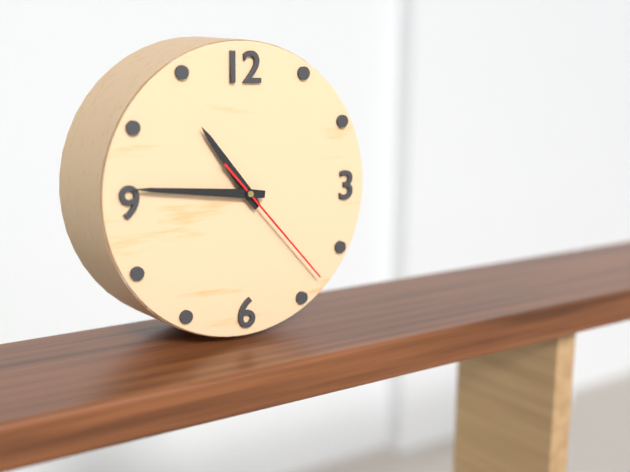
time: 10:46:23
